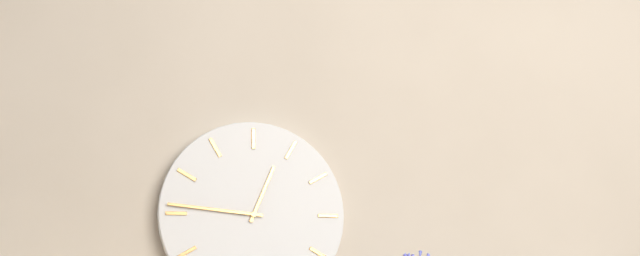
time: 12:46
